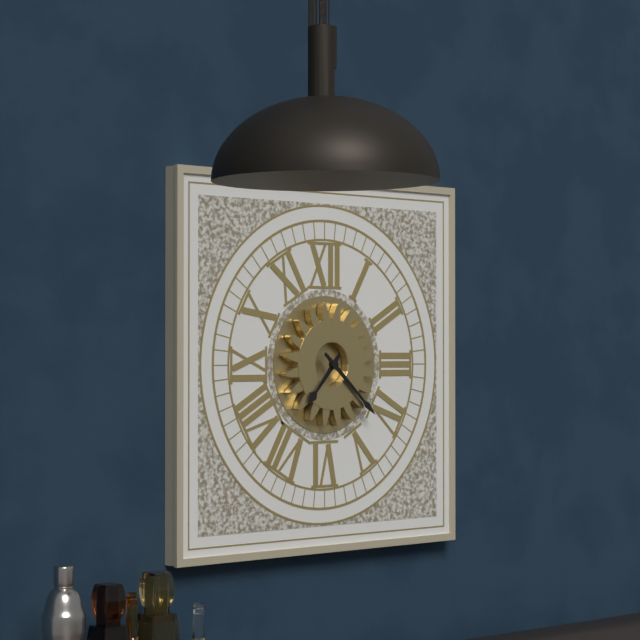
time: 7:22
